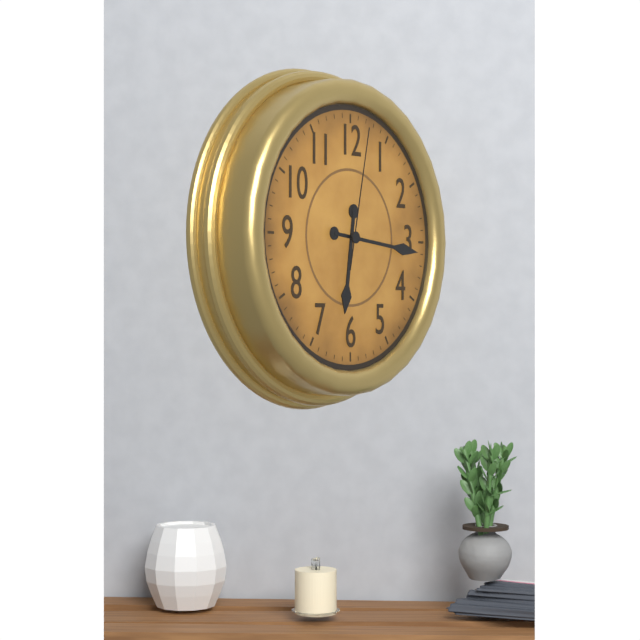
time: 6:16:02
